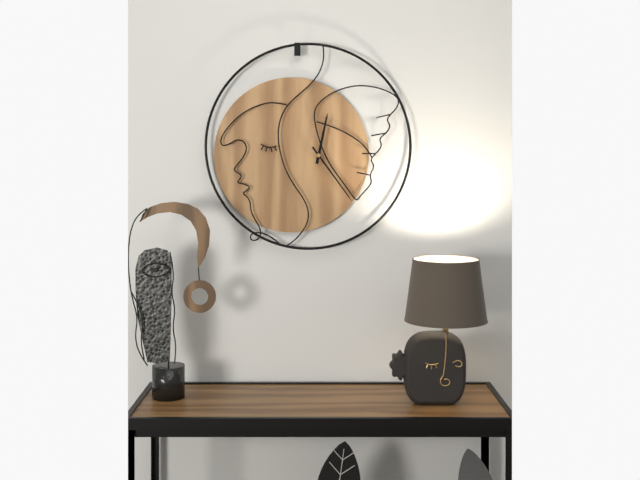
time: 12:24
